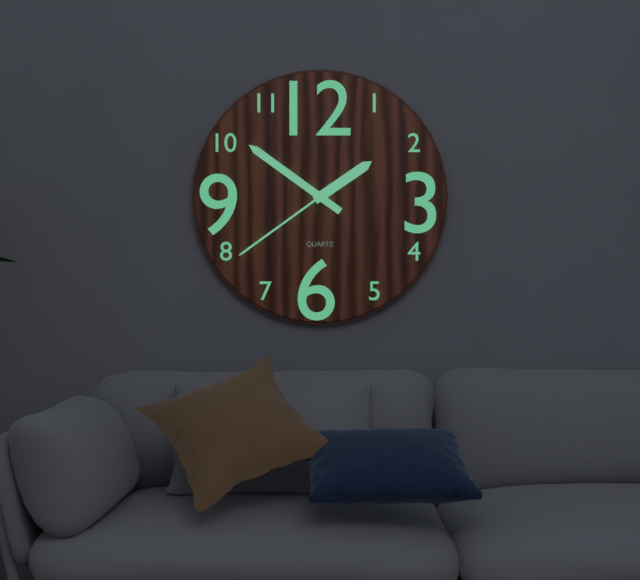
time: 1:51:39
